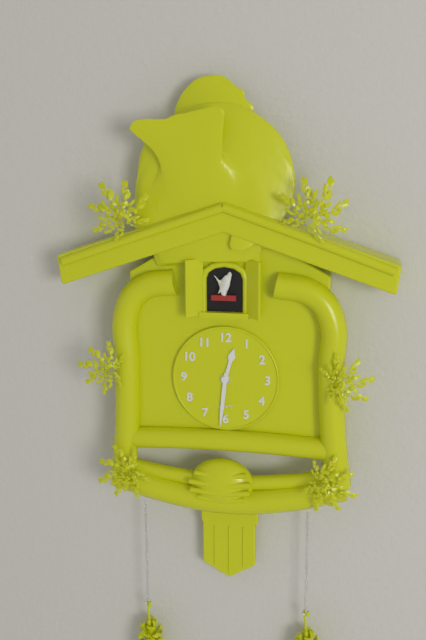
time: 12:31
